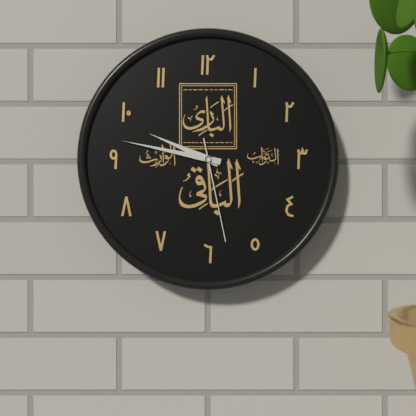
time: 9:47:28
